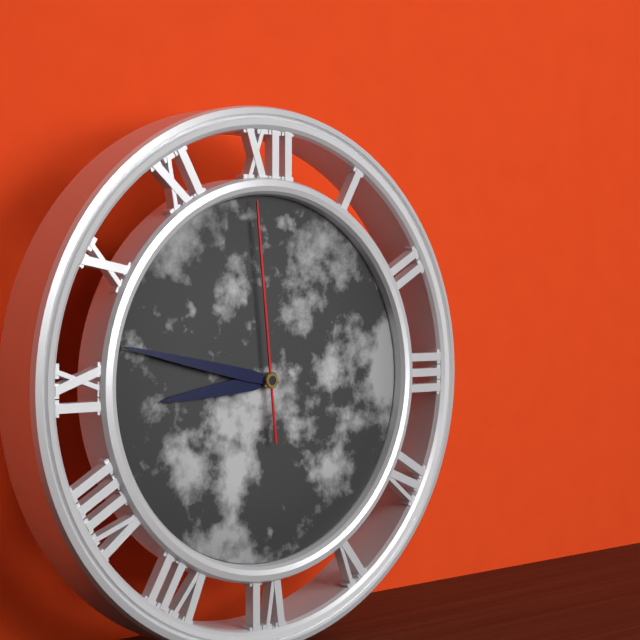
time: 8:47:59
